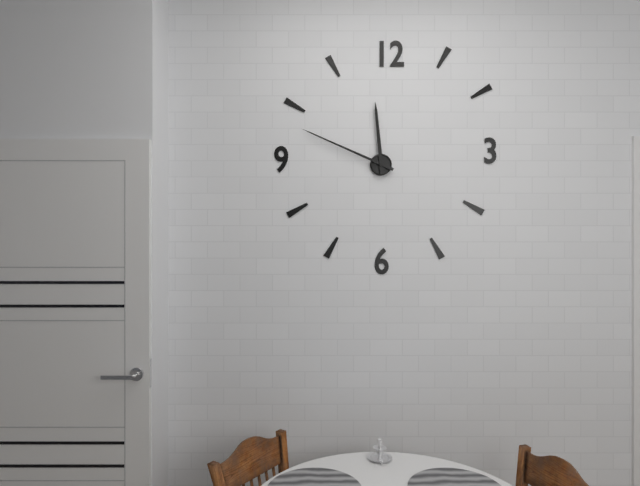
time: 11:49
